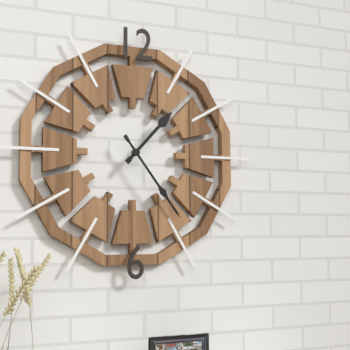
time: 1:24
